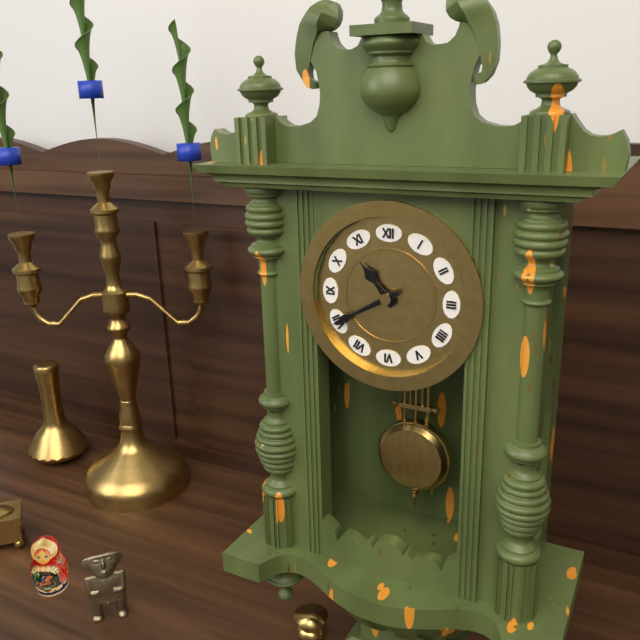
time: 10:40
